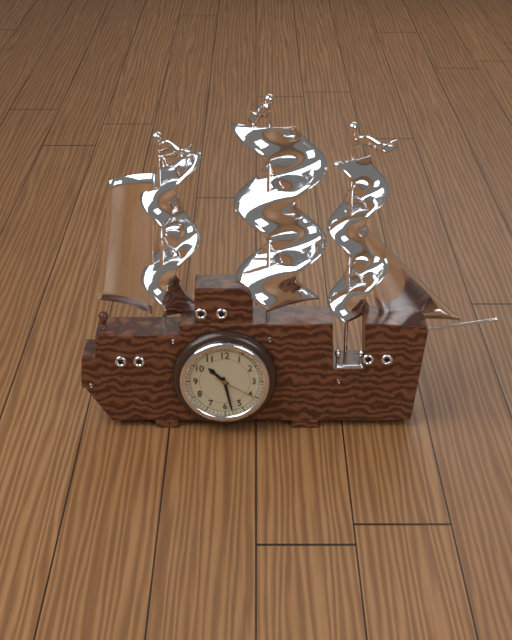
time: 10:28
